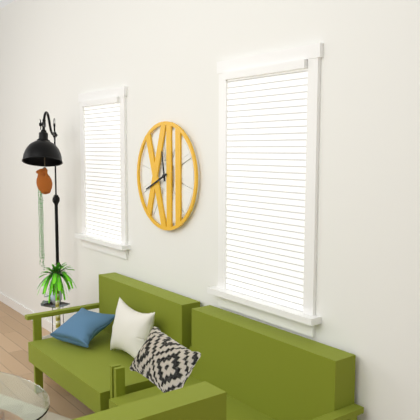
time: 11:41
